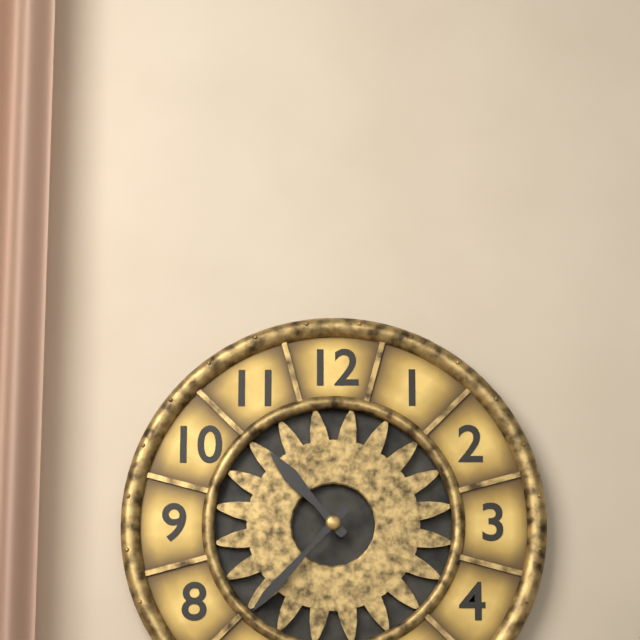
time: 10:37
